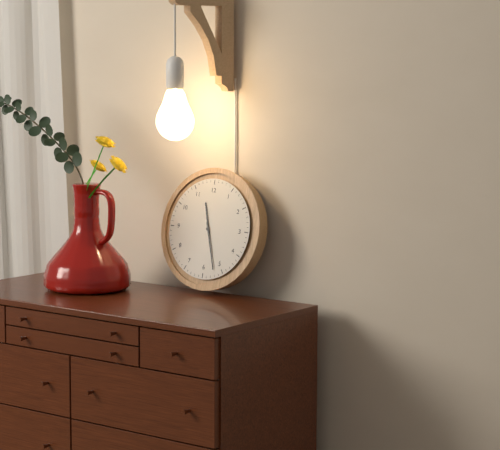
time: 11:27
